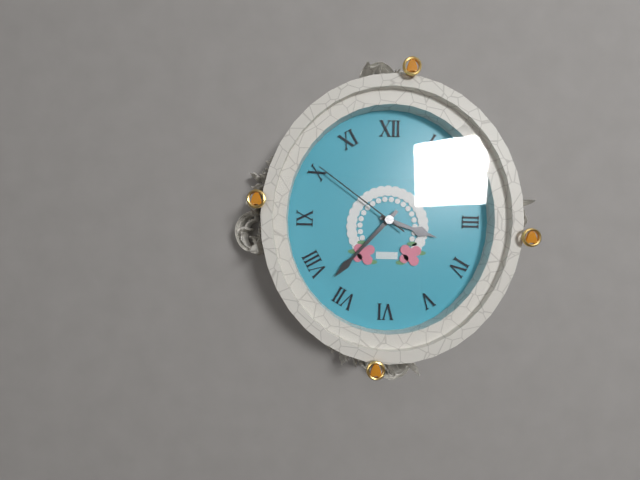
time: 3:37:51
